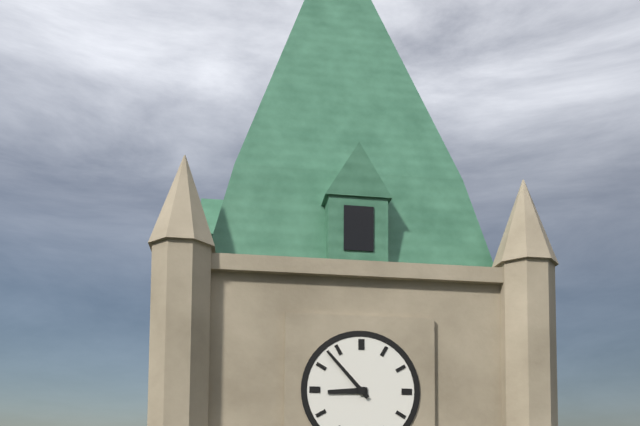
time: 8:53
